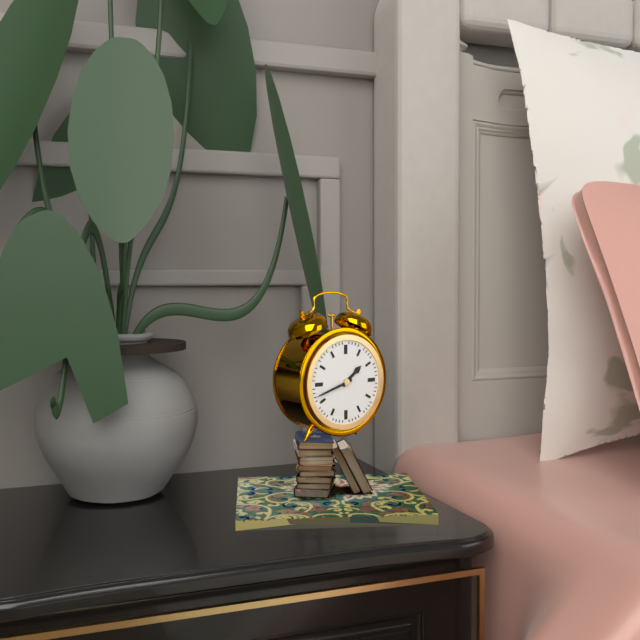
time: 1:42
